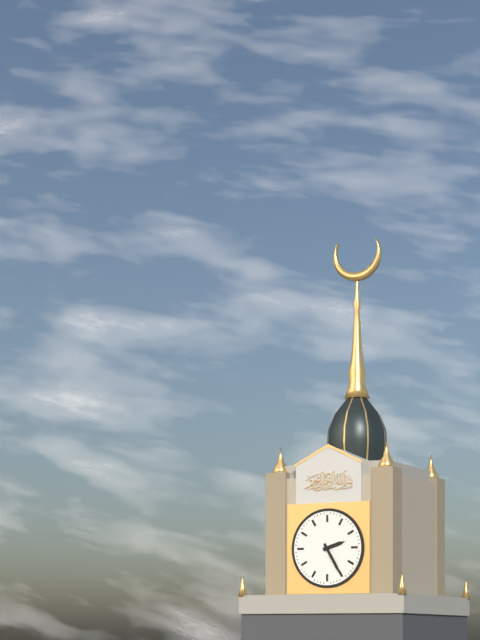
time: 2:25
